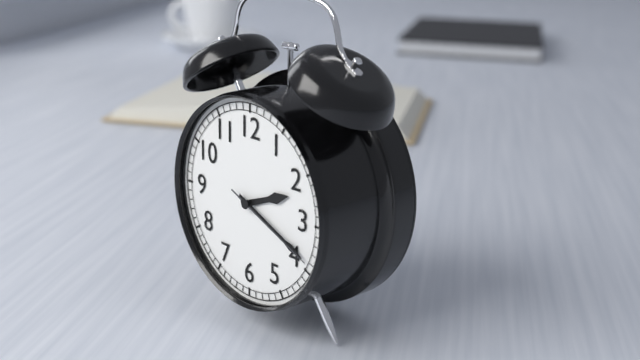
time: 2:19:19
